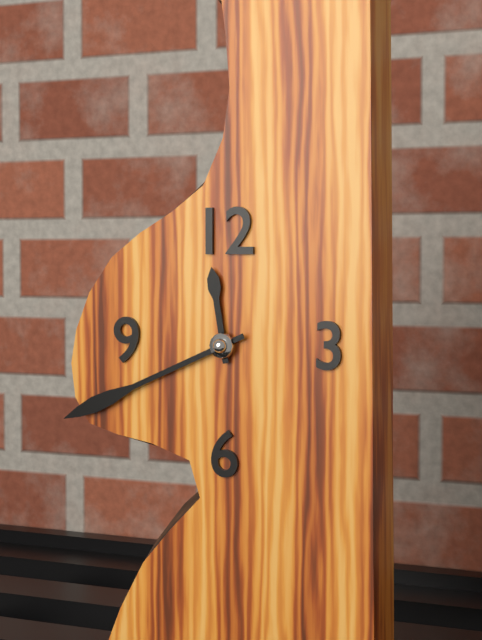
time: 11:41
